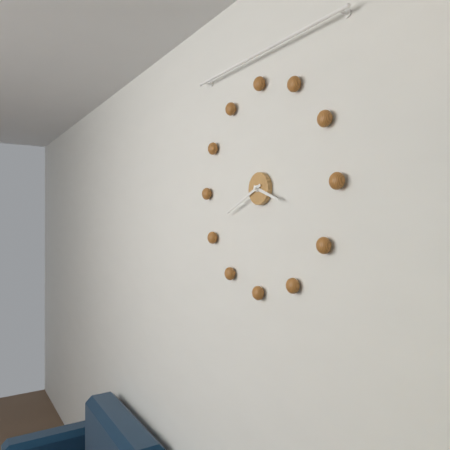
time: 3:41
